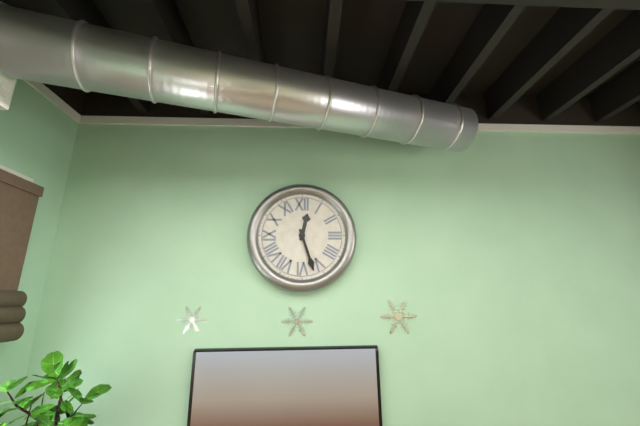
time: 12:27
